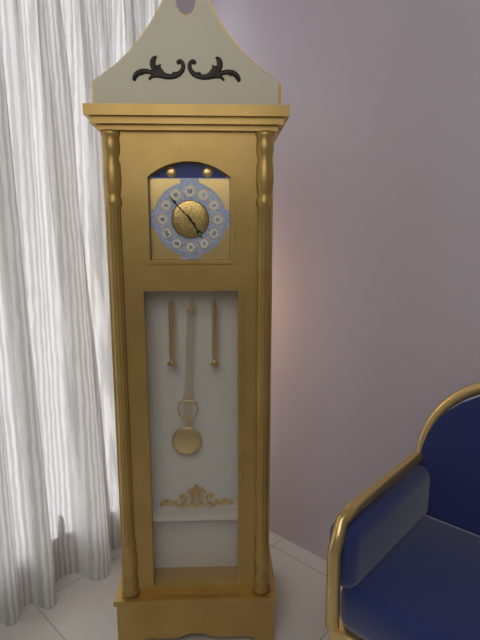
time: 4:53
